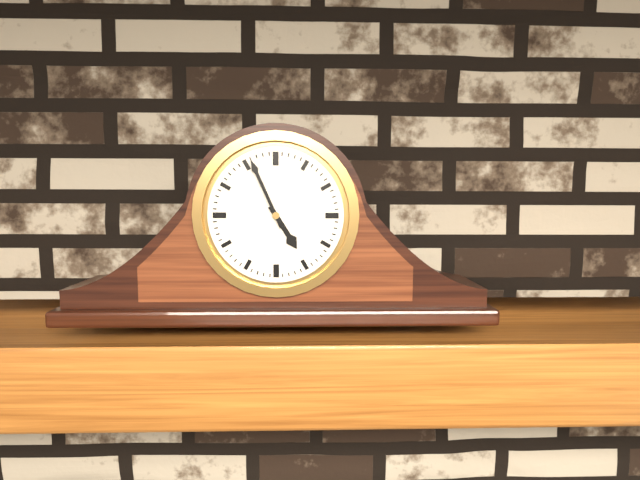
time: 4:56
